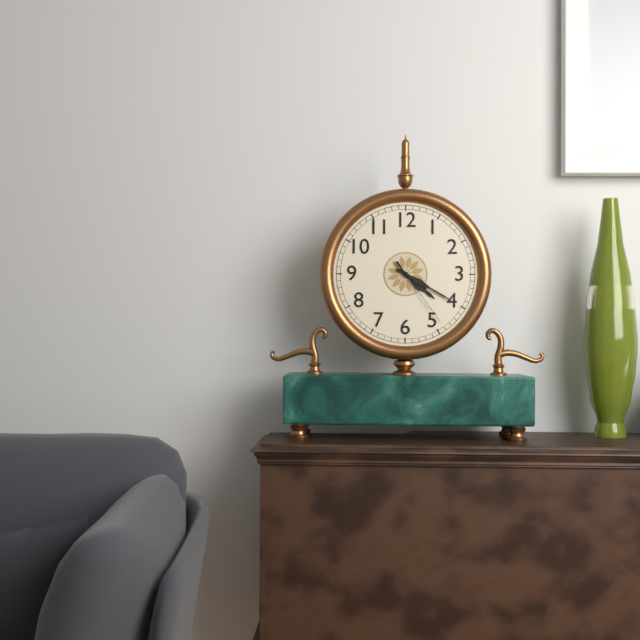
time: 4:20:24
